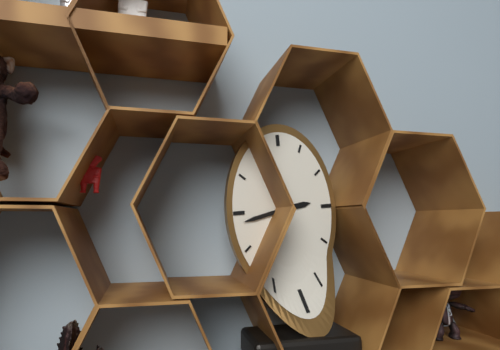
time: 2:43
